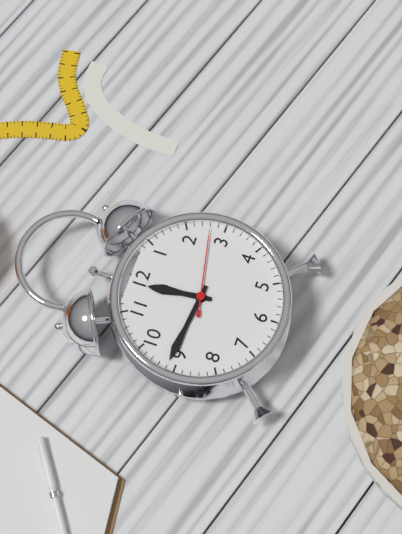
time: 11:46:13
